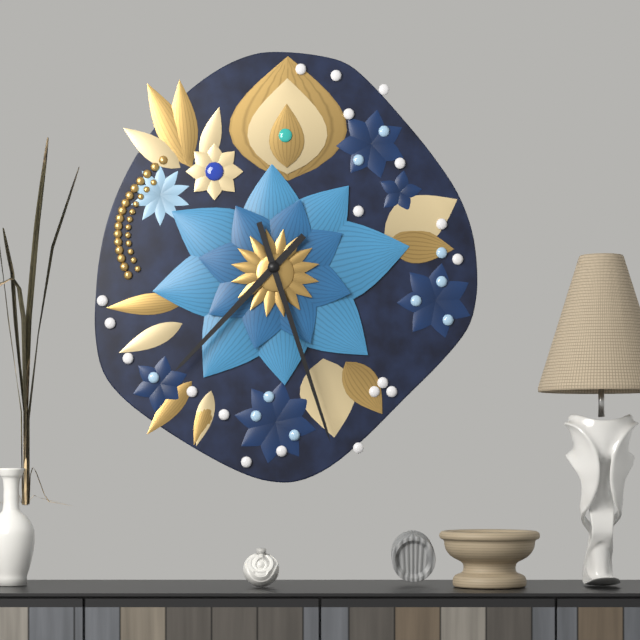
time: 7:27
